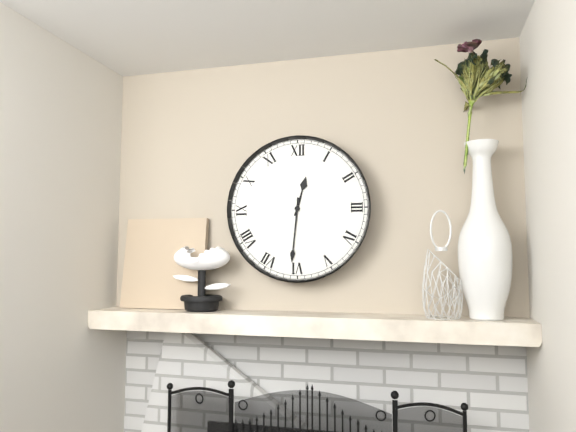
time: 12:31
